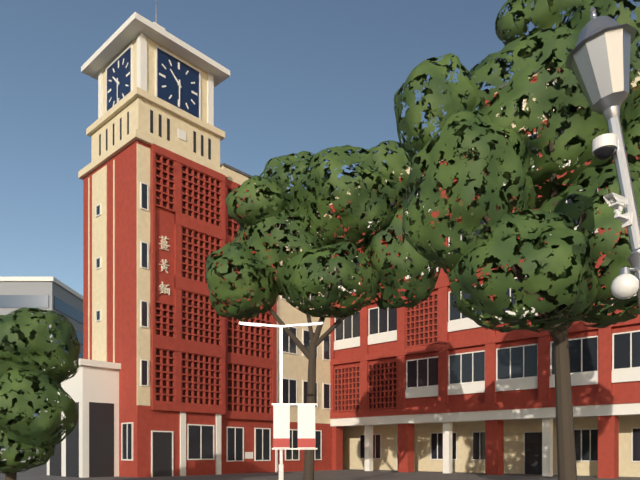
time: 10:30
